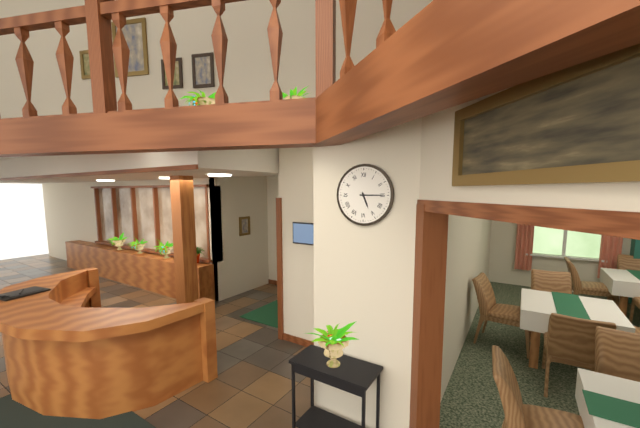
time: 5:15
